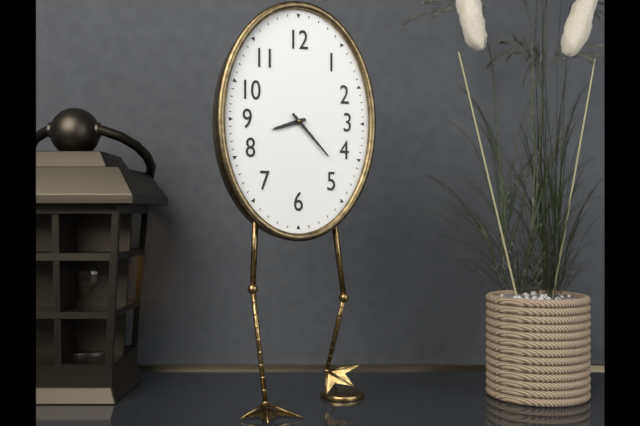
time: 8:23
